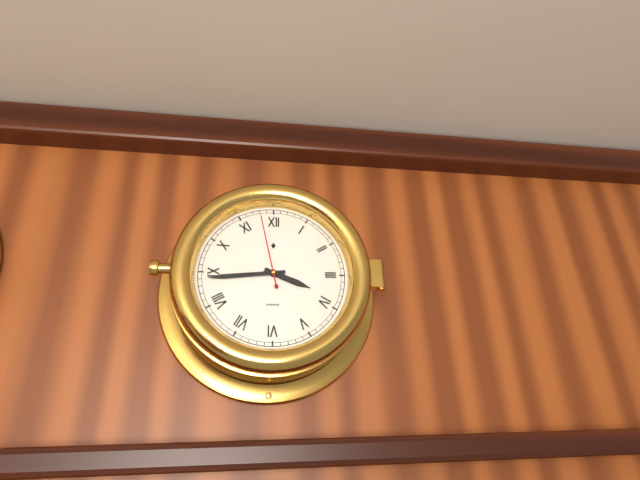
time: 3:44:58
